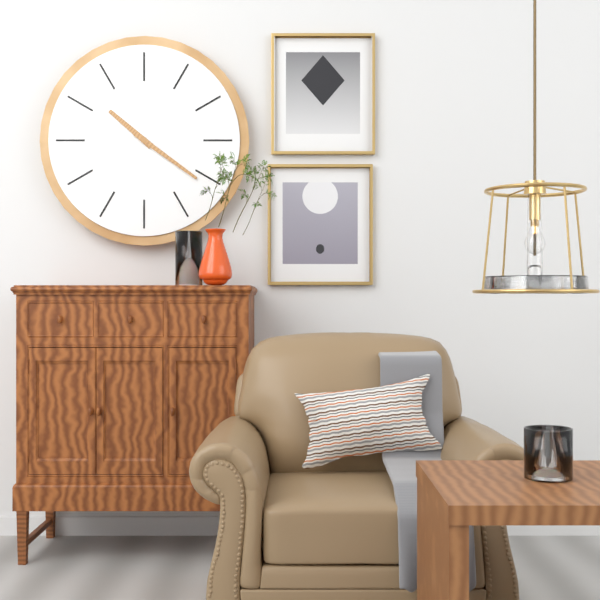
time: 10:21
